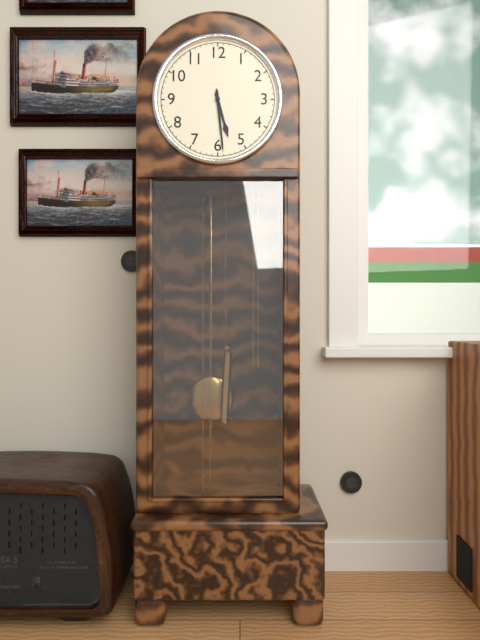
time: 5:29
